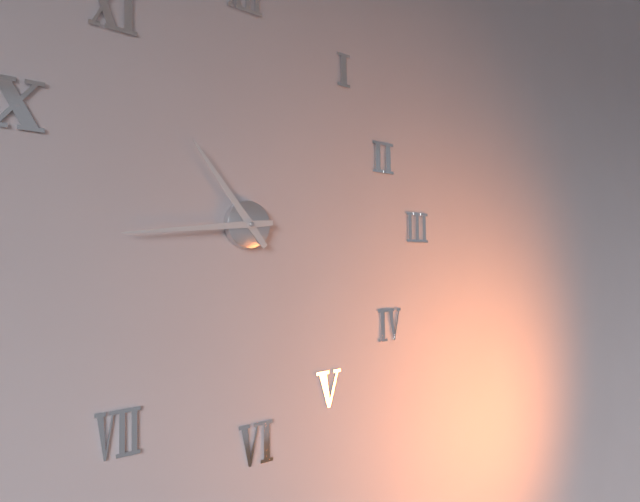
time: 10:44
